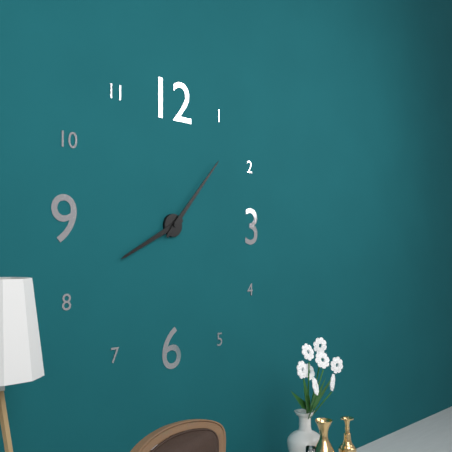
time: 8:07
